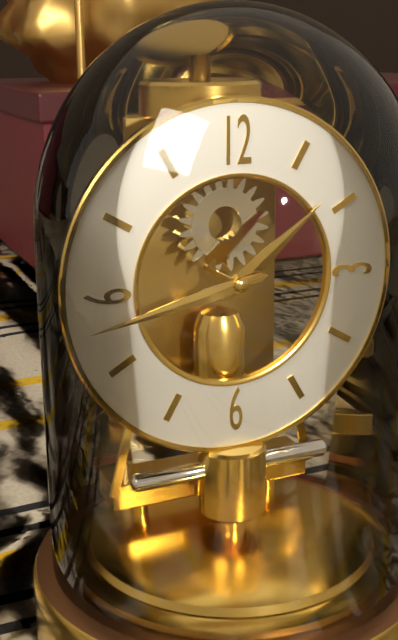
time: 1:43
